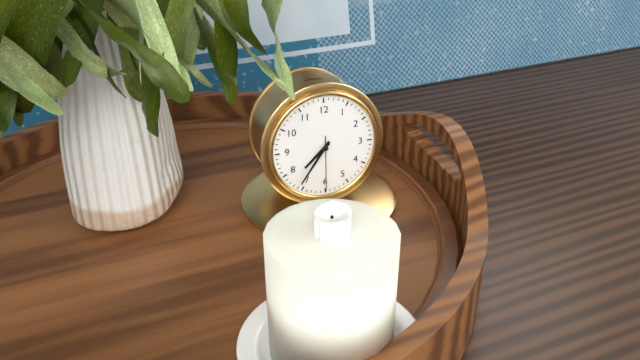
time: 7:36:30
